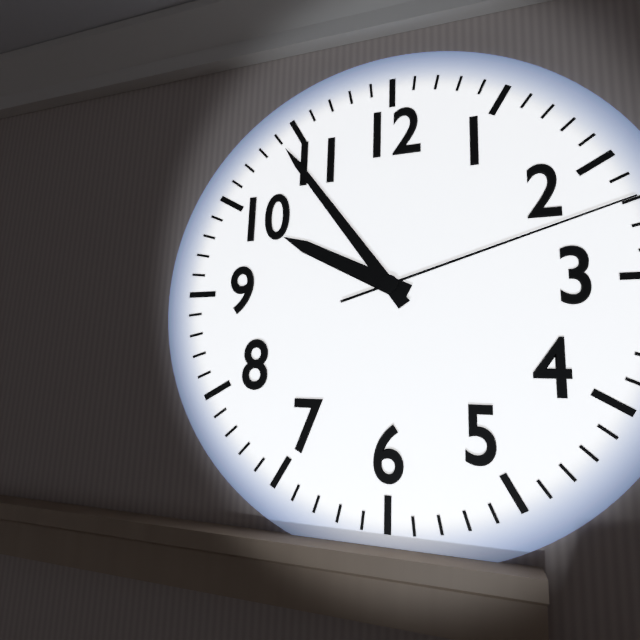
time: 9:54:12
